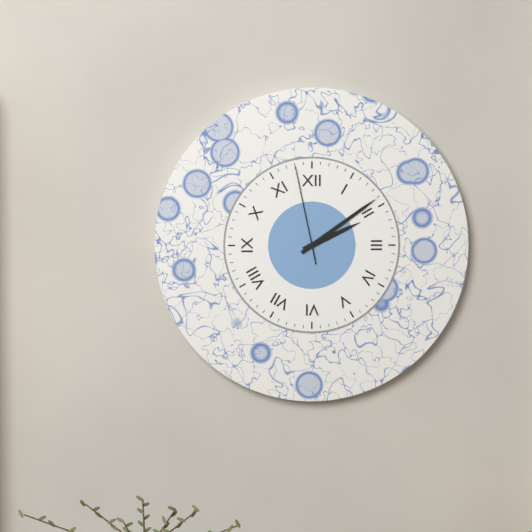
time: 2:09:58
